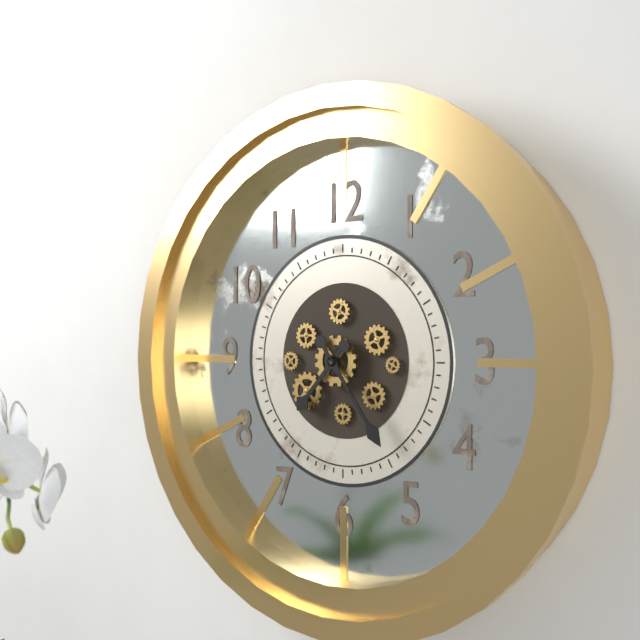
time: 7:24
